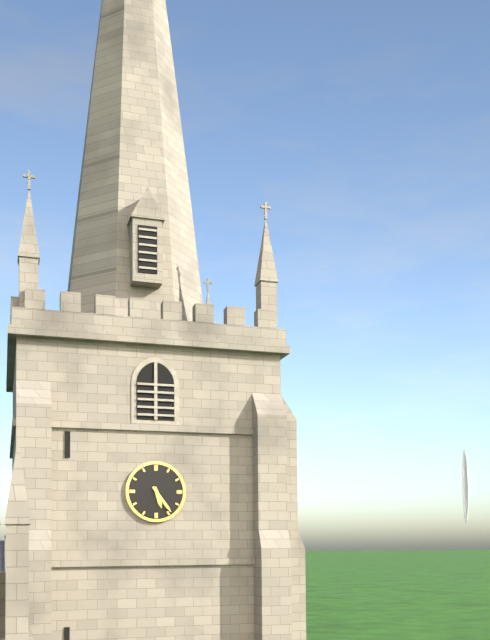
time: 5:24
